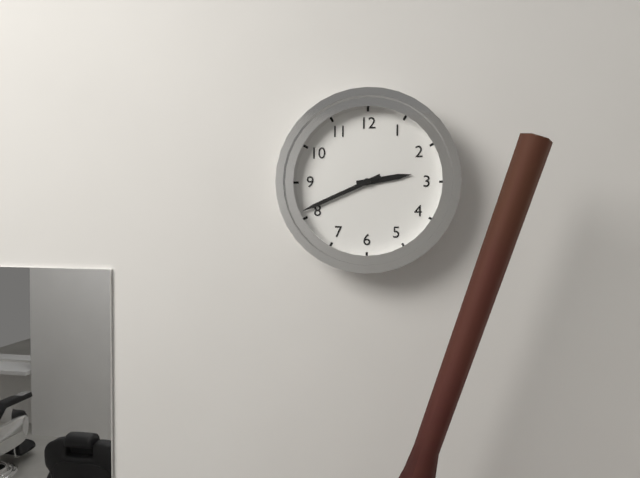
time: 2:41
